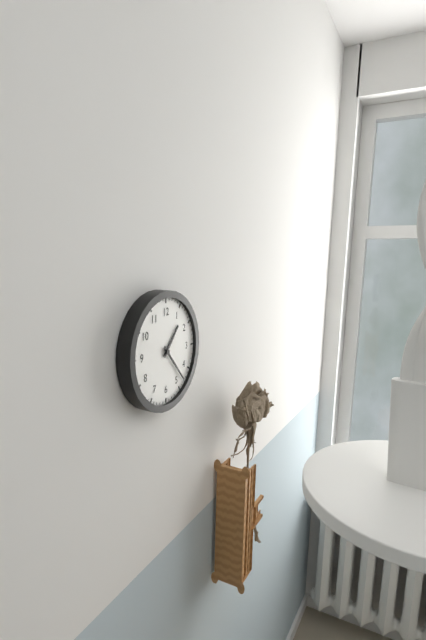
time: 1:23
